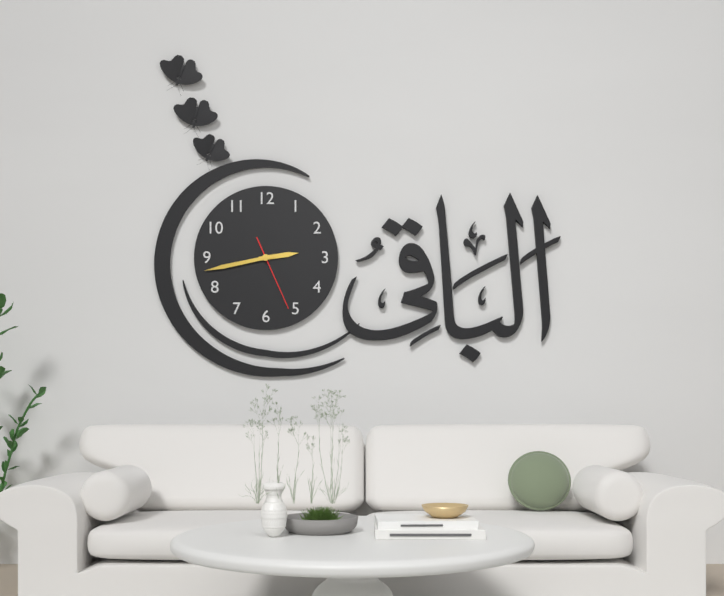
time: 2:43:26
